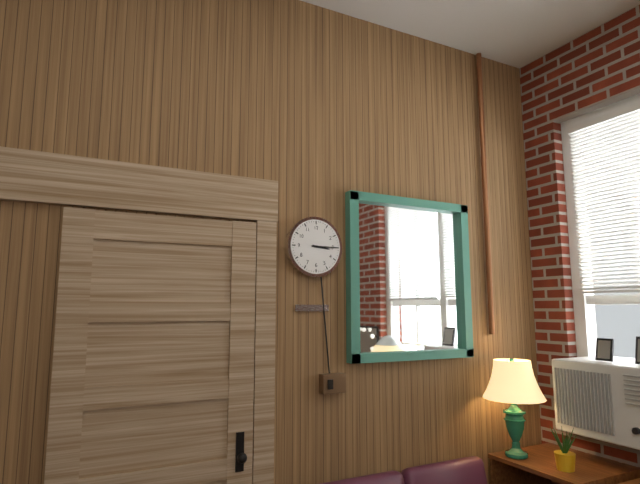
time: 3:15
